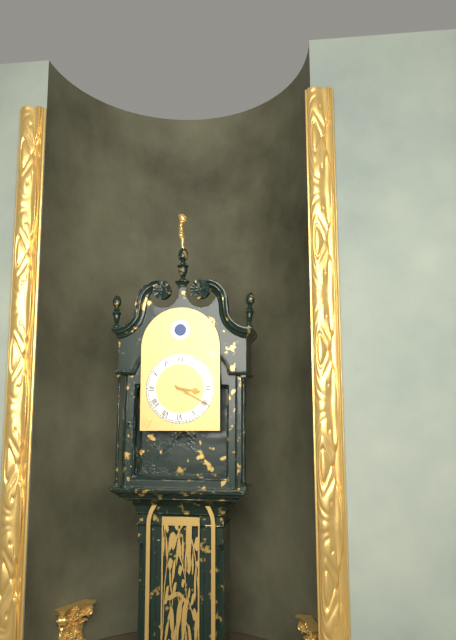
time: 3:20
